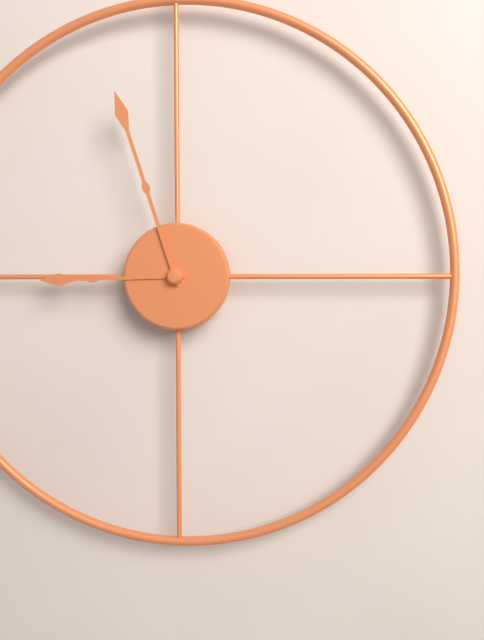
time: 8:57
